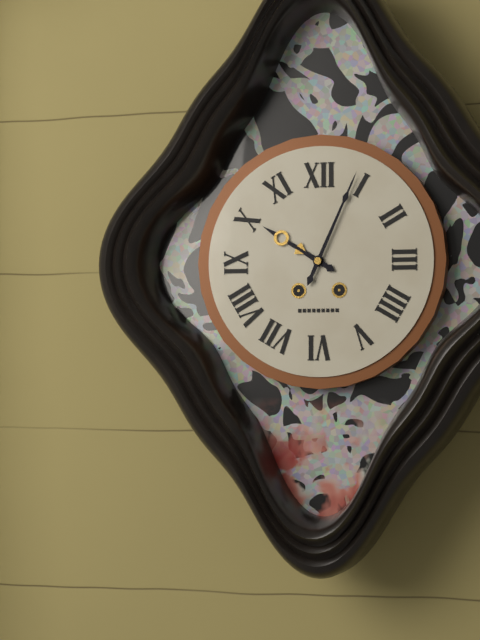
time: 10:04
